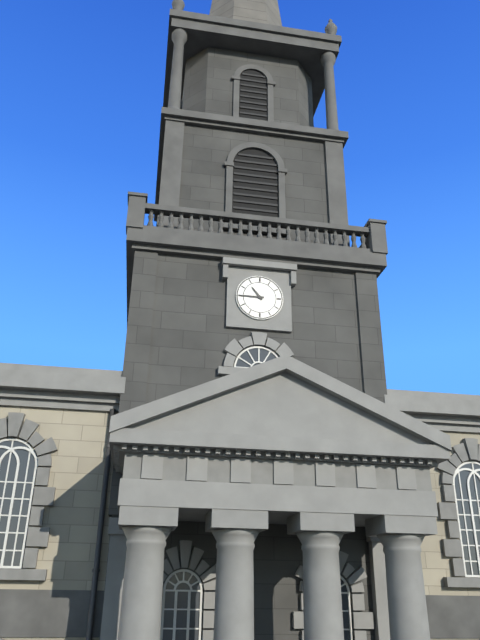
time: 10:45
